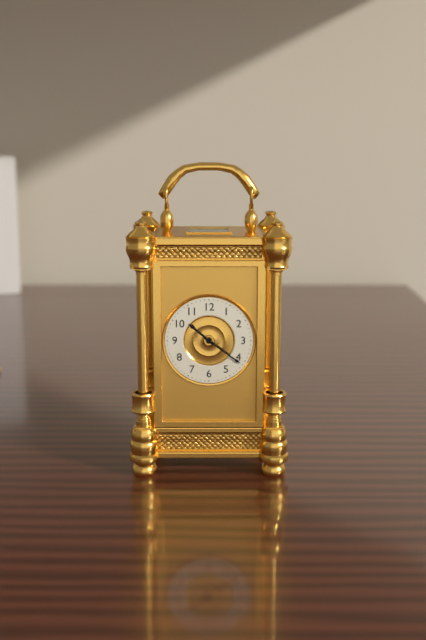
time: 10:21
